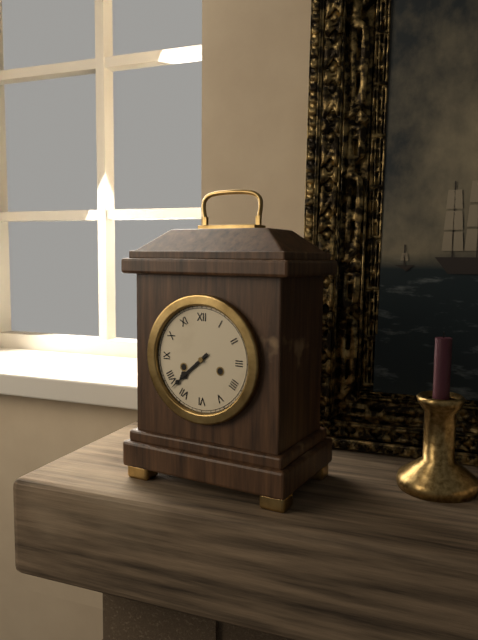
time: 7:38
